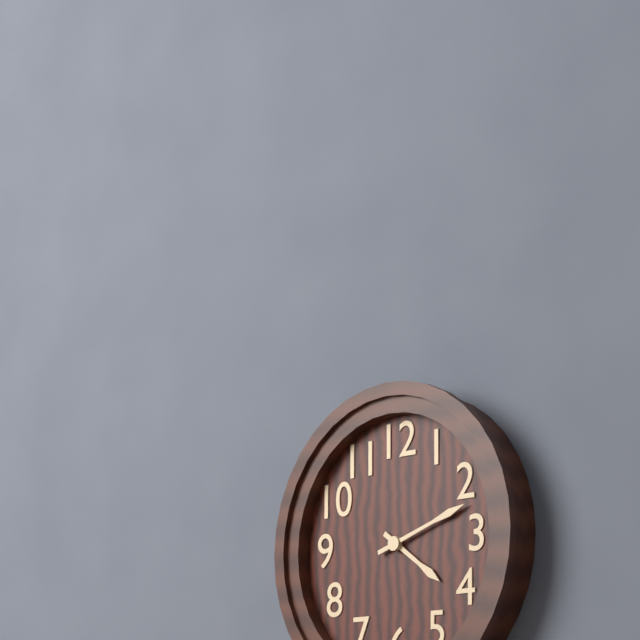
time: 4:12
